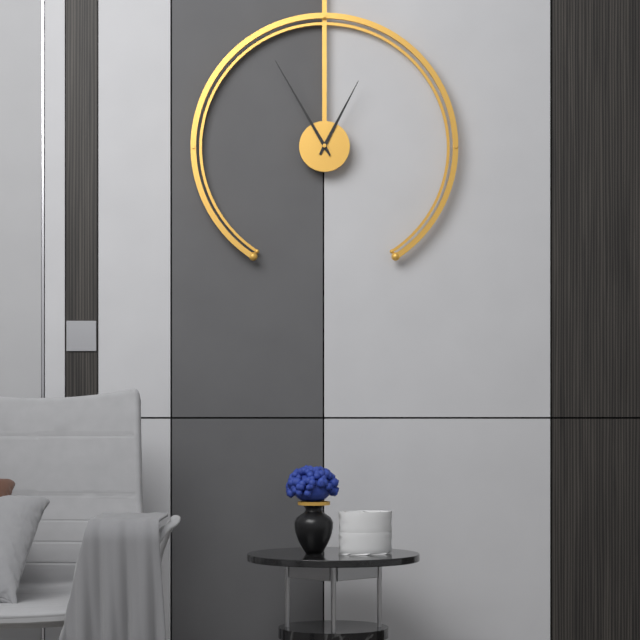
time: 12:55
